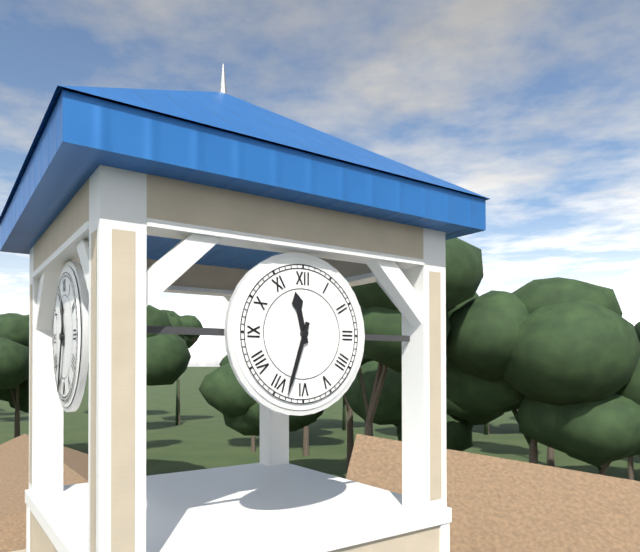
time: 11:33
